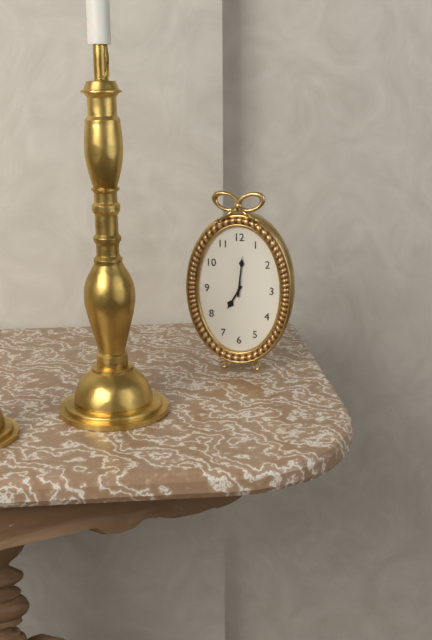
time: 7:01
